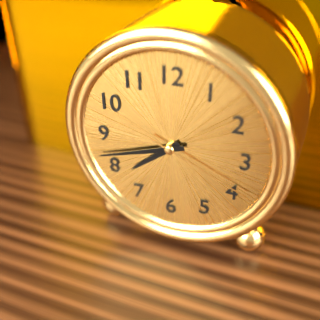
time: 7:42:19
